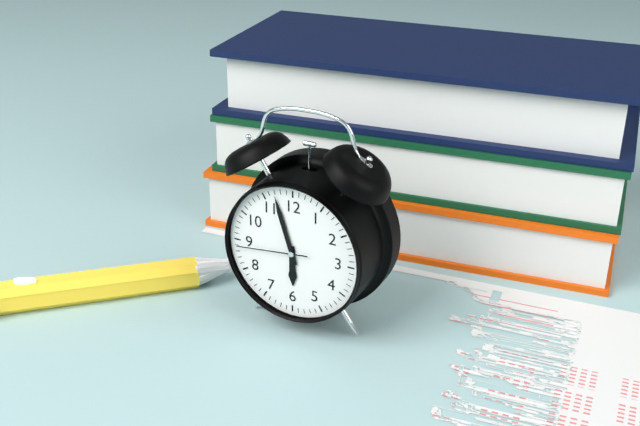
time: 5:57:44
